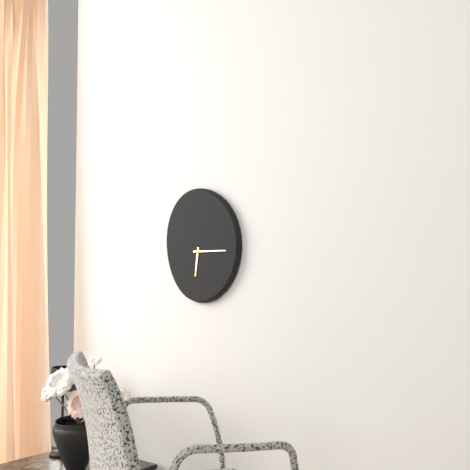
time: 6:15
